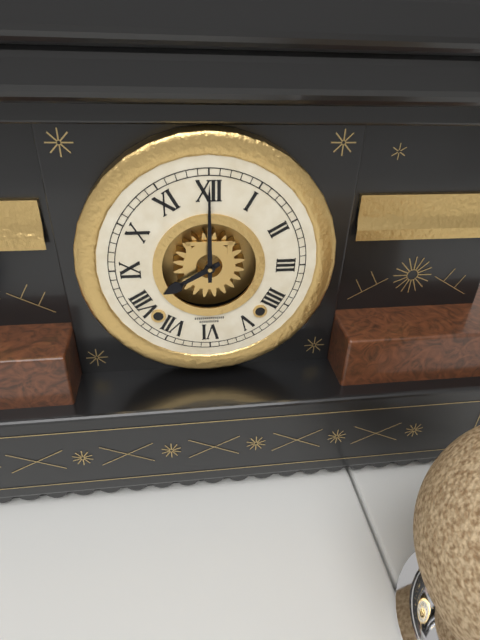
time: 8:00
